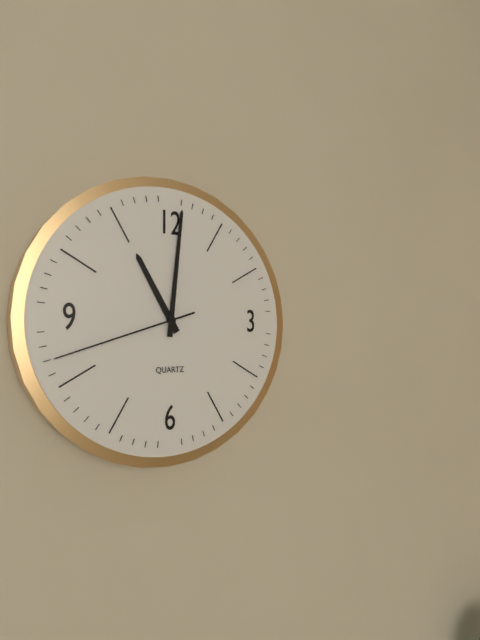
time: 11:01:42
